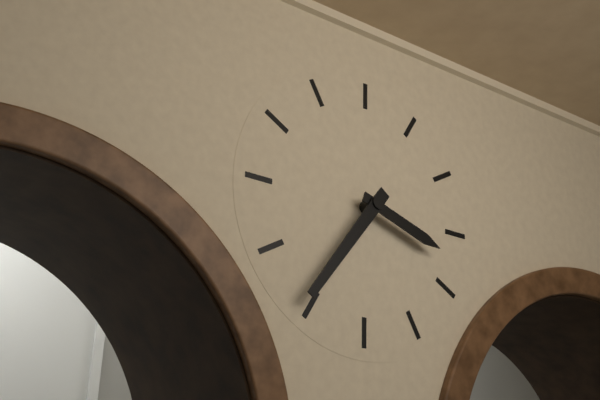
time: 3:36
